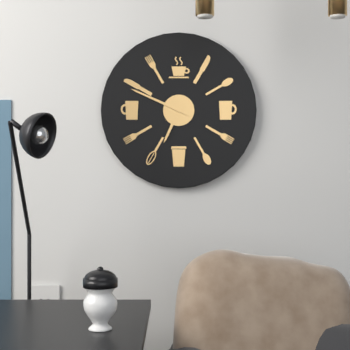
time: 6:49
